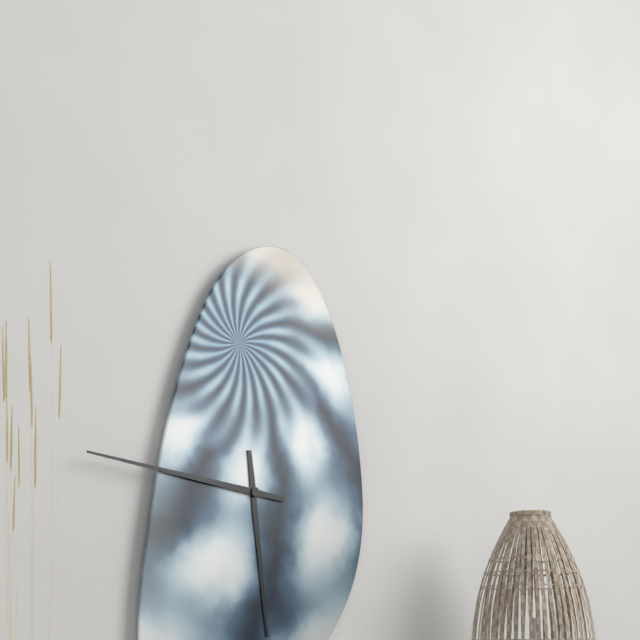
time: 5:46
